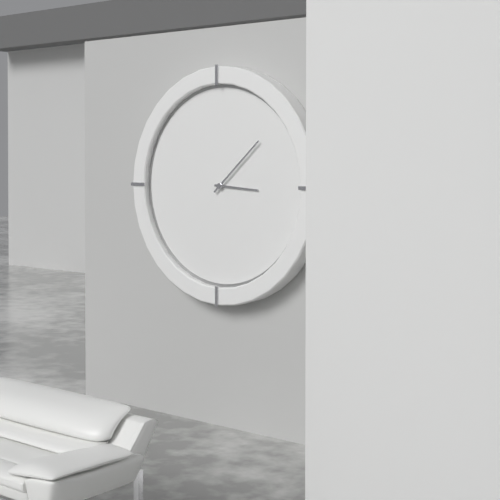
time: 3:08
